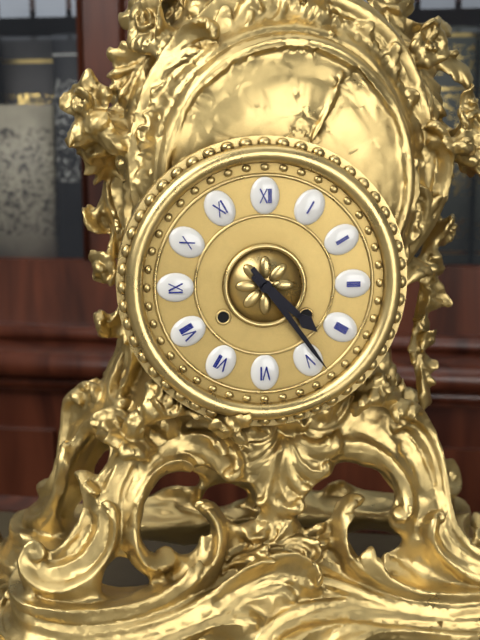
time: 4:24
